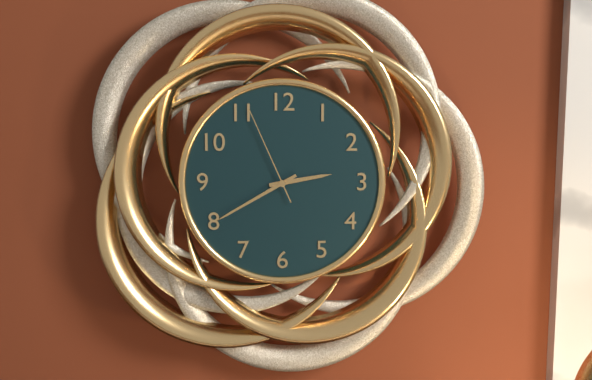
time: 2:40:56
